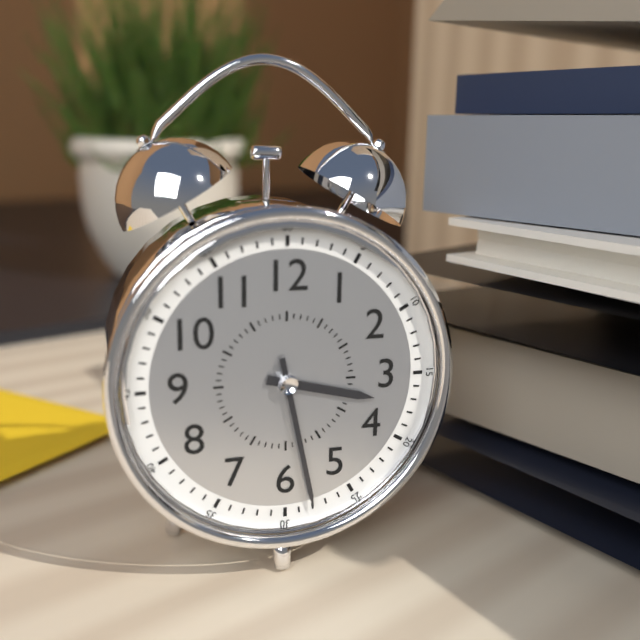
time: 3:28
